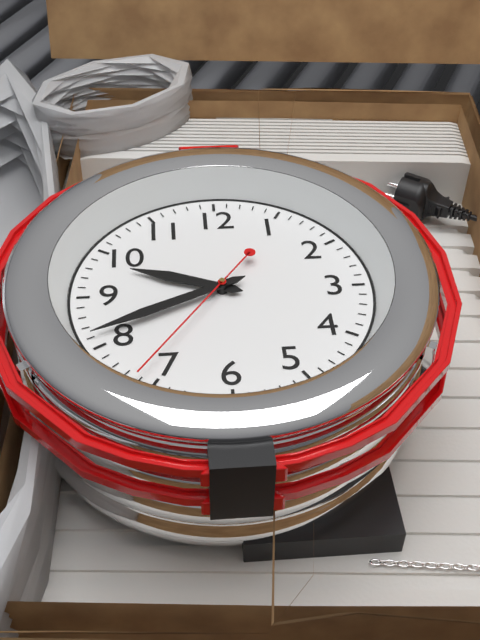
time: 9:41:36
